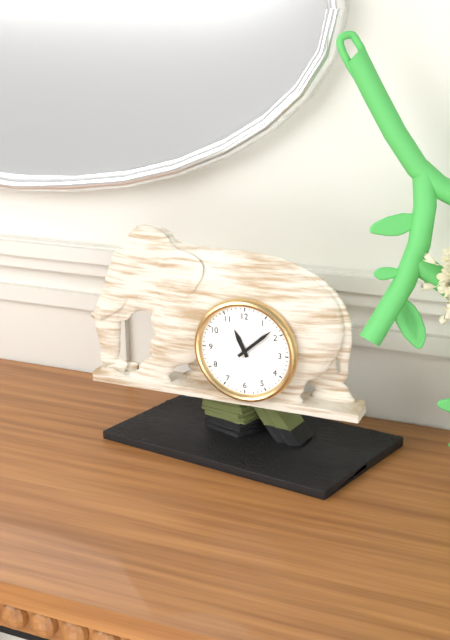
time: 11:08
